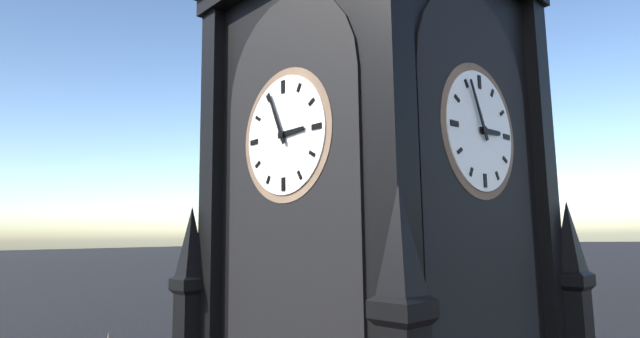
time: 2:56
